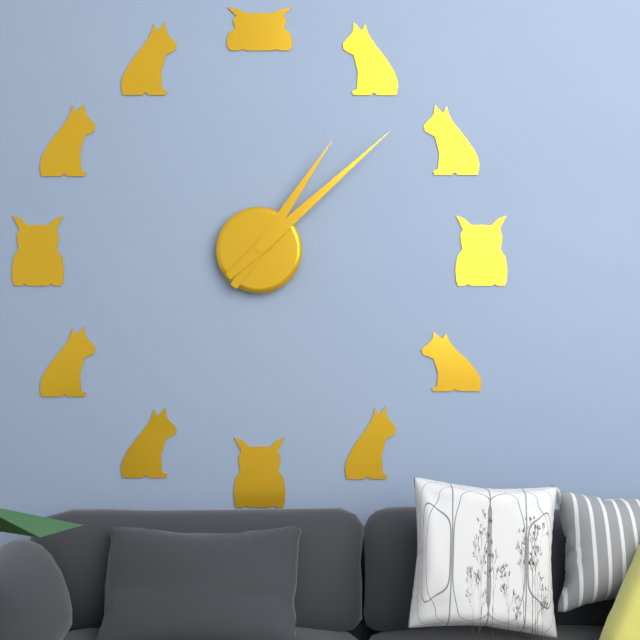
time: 1:08
